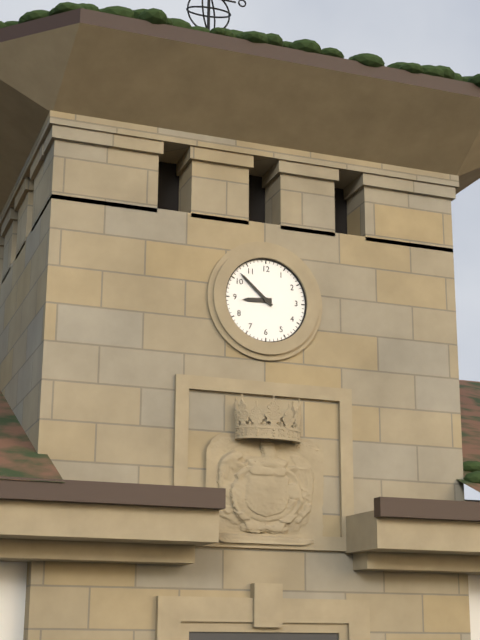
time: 8:52
